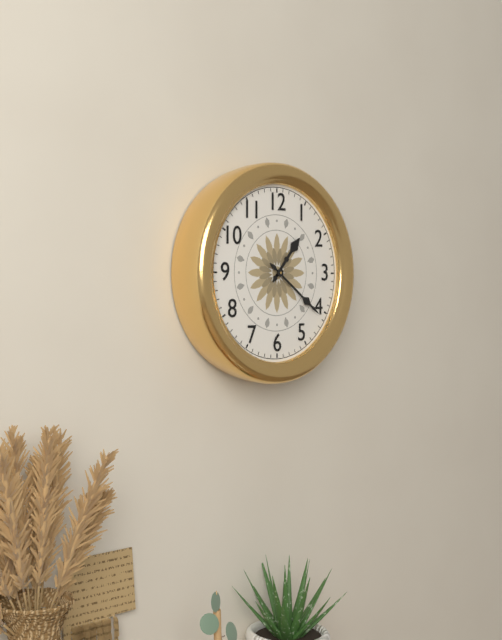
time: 1:21
